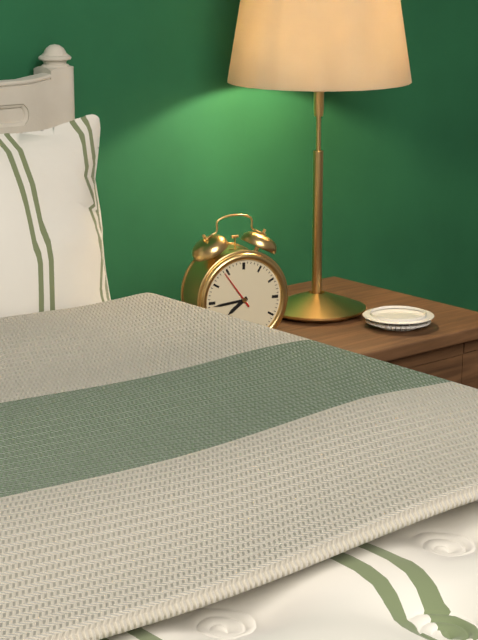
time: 7:44
